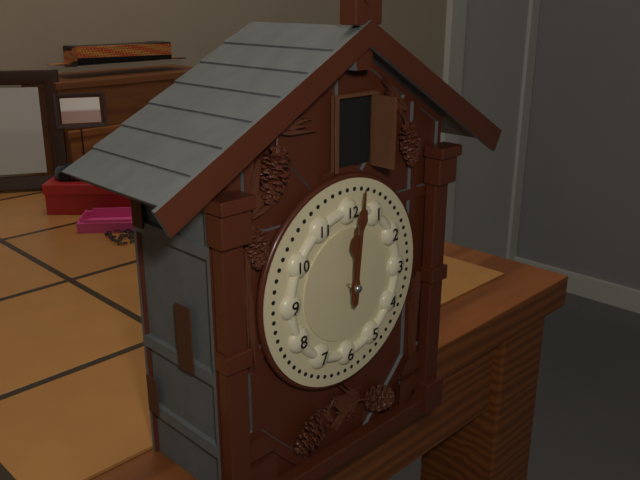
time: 12:01
